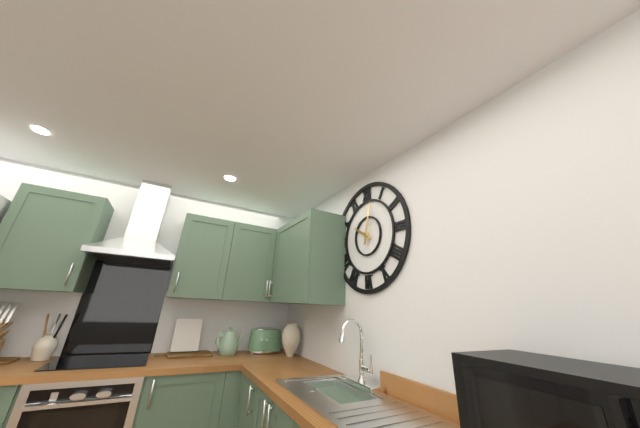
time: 10:02
